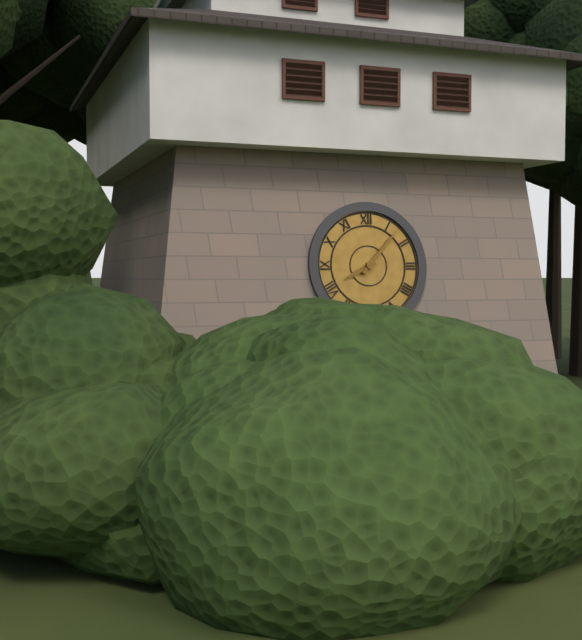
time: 8:07
